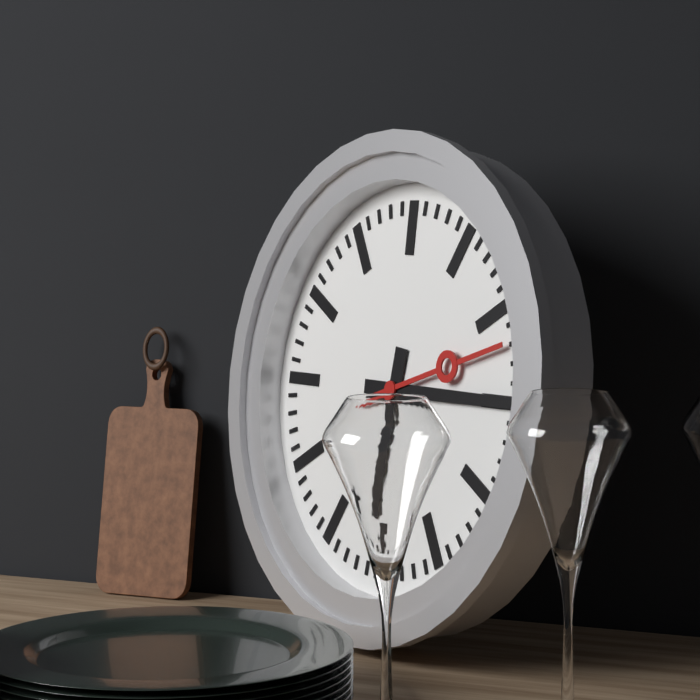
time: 6:15:12
